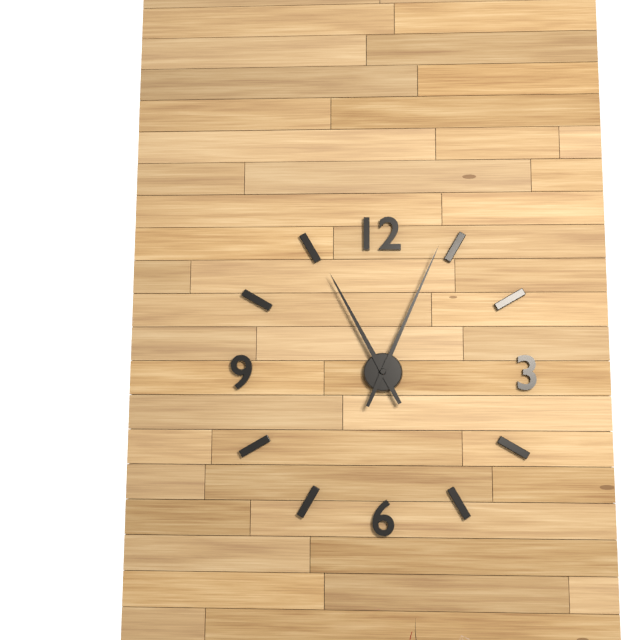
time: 11:04
